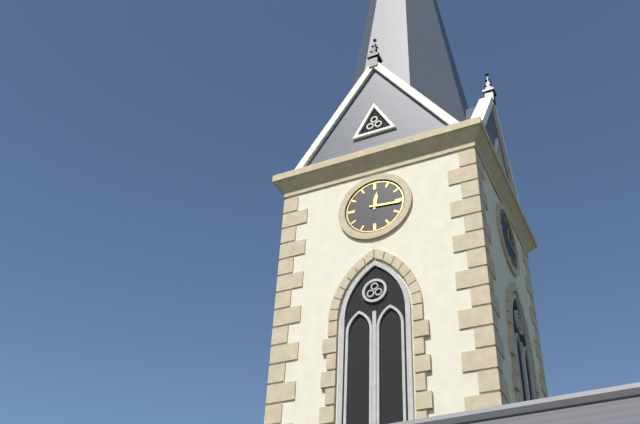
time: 12:16
